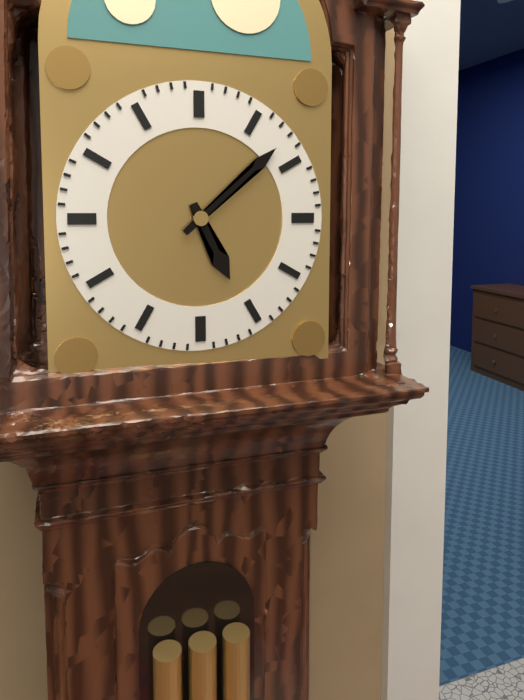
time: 5:08
